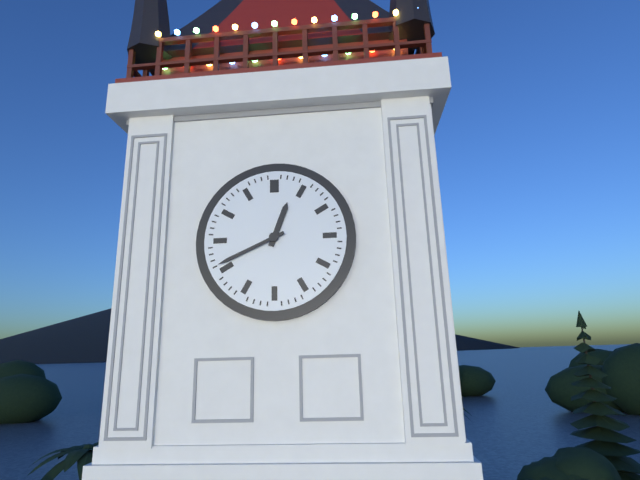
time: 12:41
